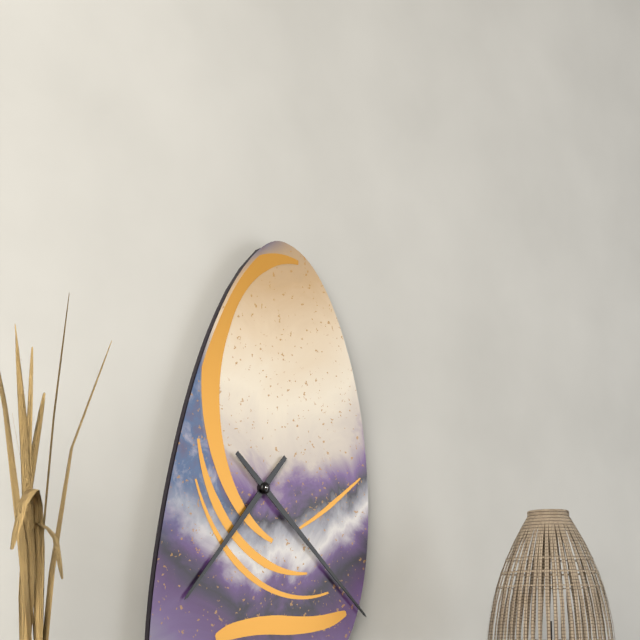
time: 7:22
